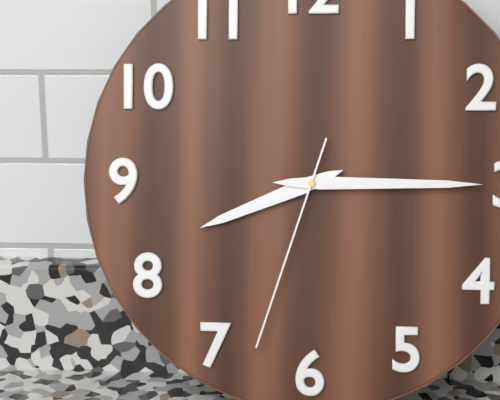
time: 8:15:33
